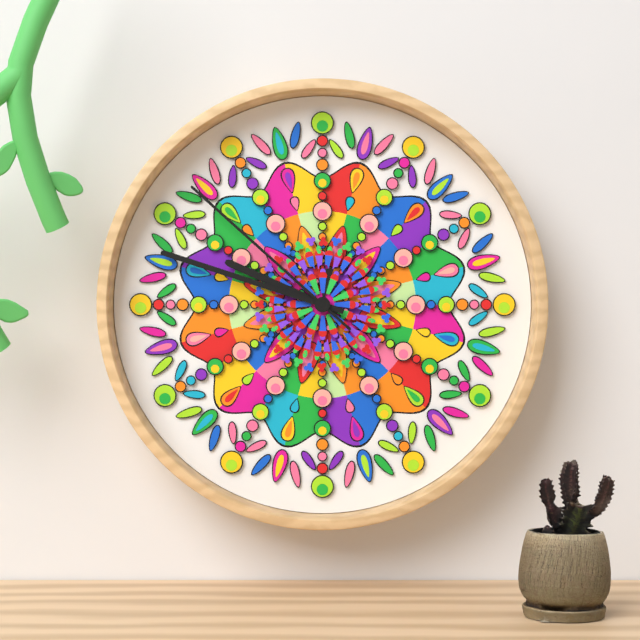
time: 9:48:52
